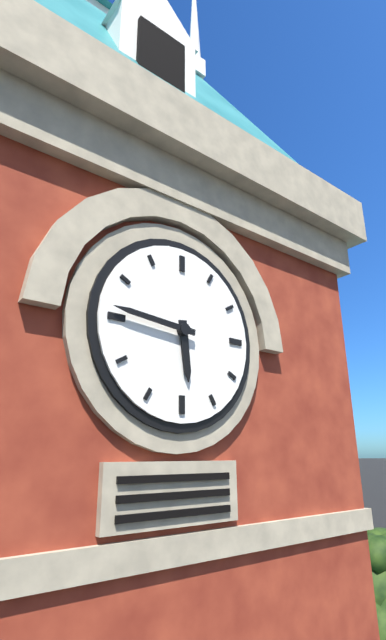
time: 5:46
